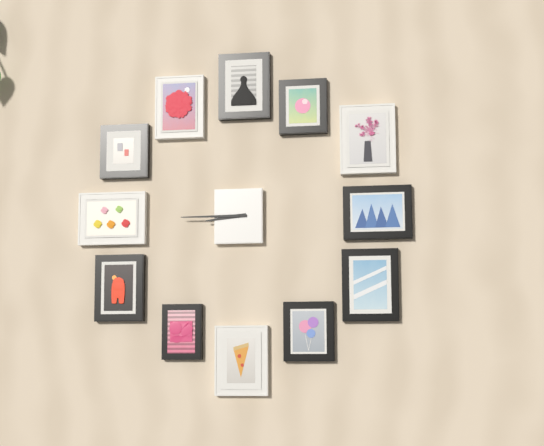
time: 8:45
